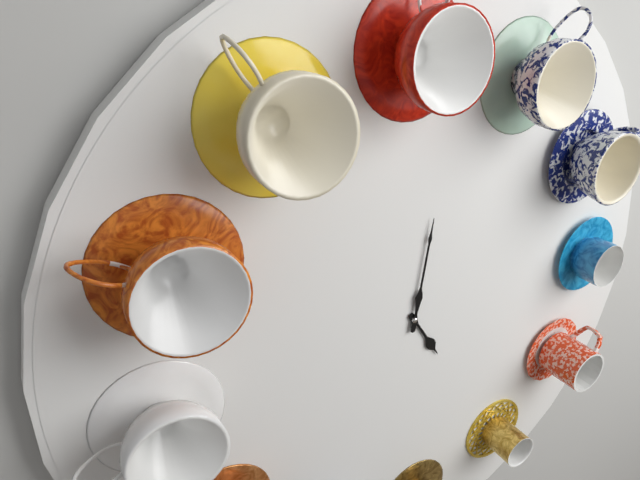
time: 5:02
